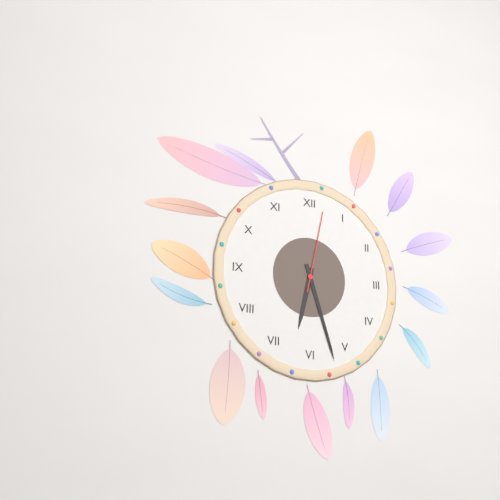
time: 6:27:02
